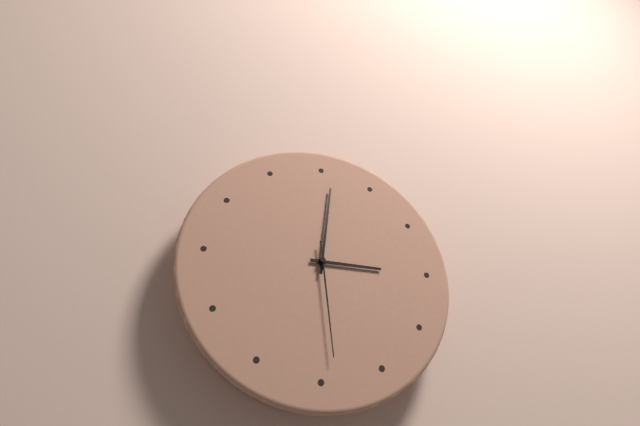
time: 3:01:29
